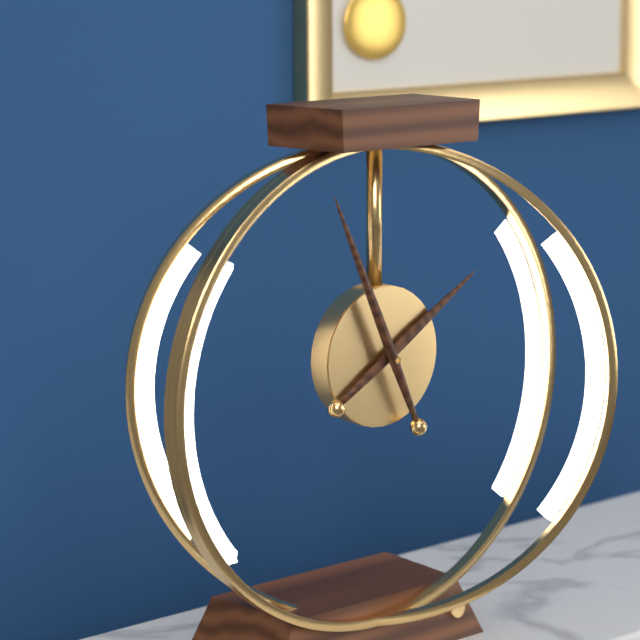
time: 1:56
